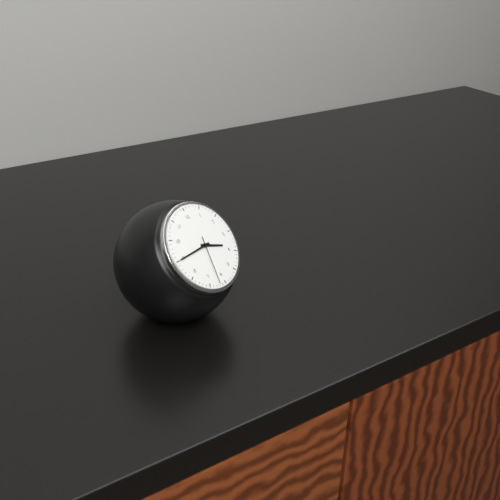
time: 3:45:32
